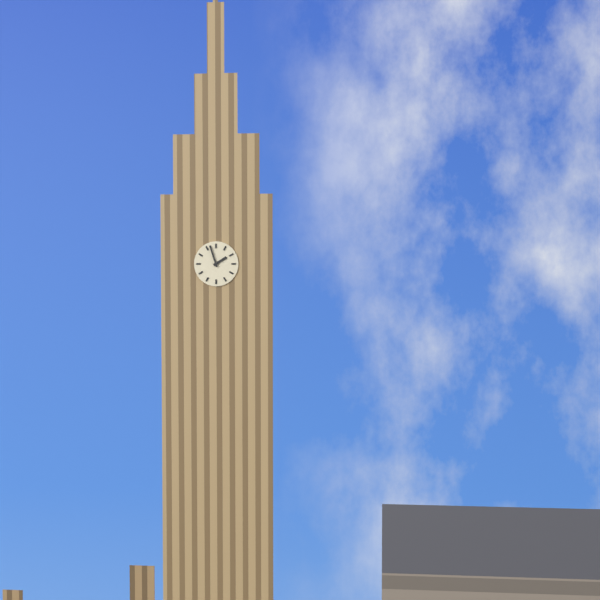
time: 1:57
